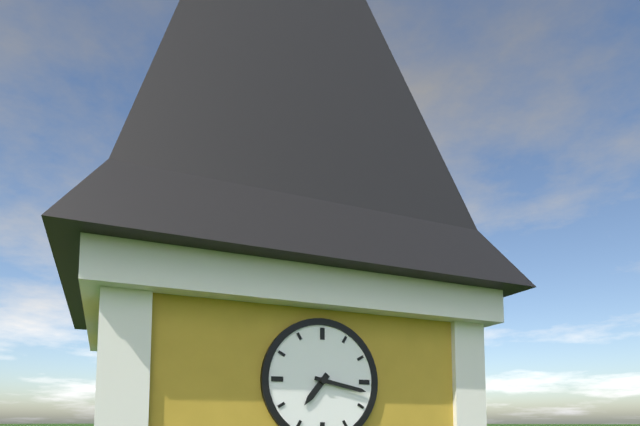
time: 7:17
